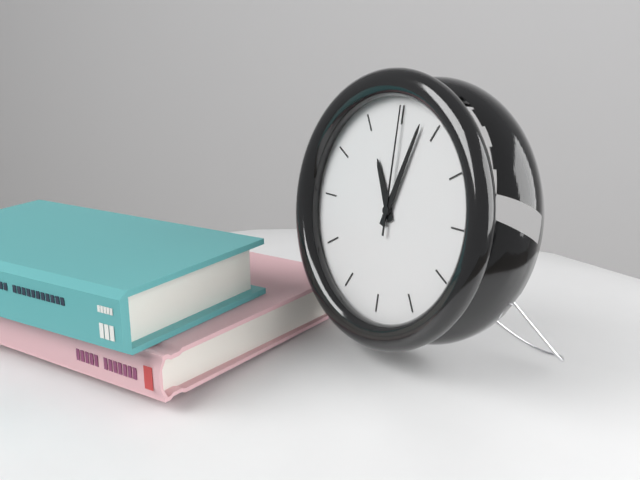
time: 11:03:00
